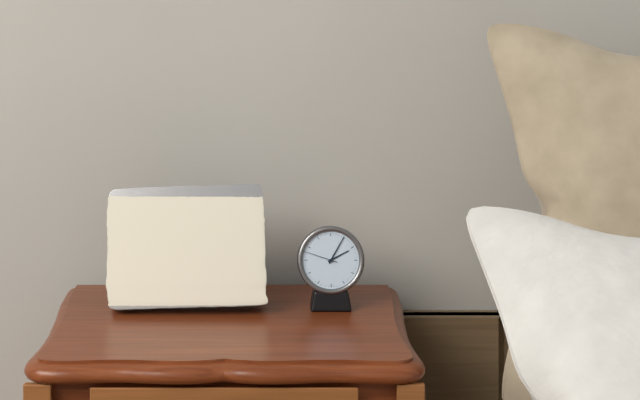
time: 2:05
